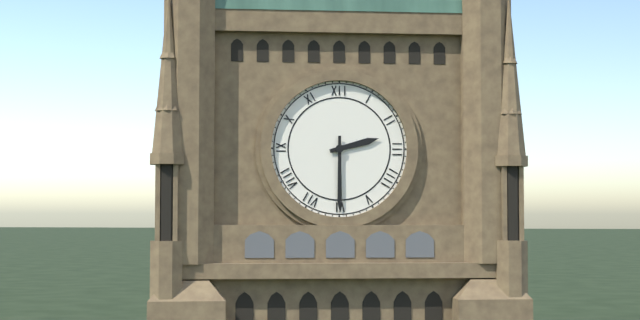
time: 2:30
